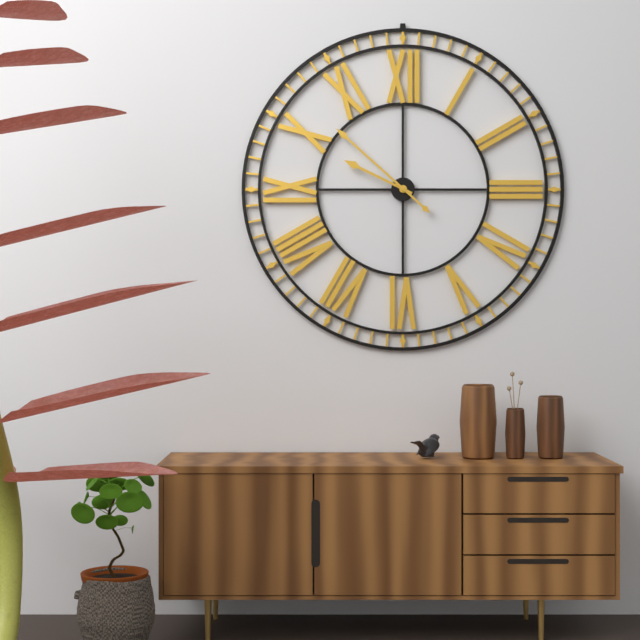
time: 9:52
